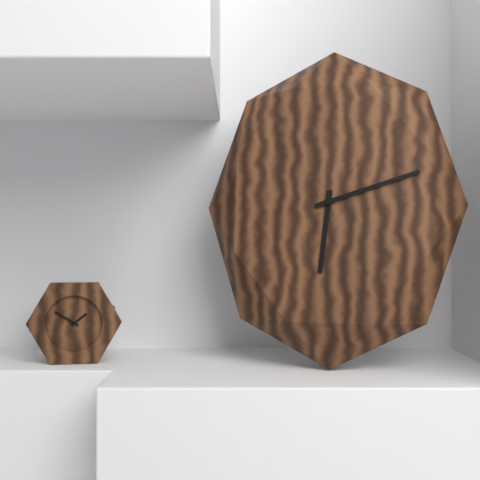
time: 6:12
